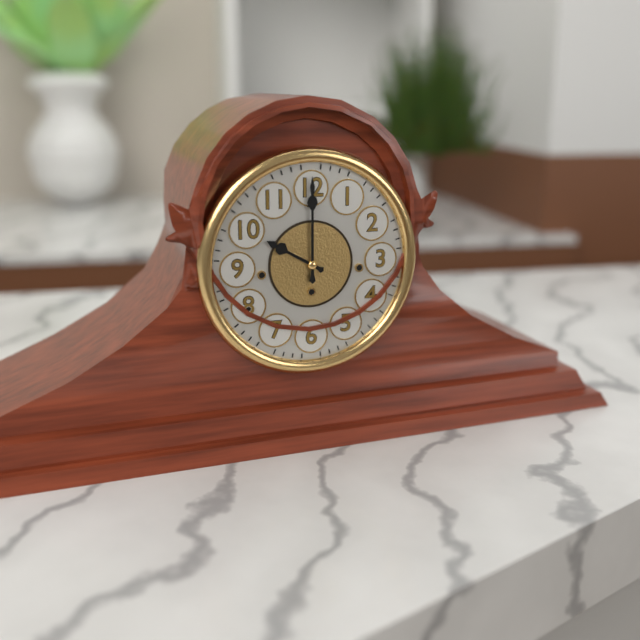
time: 10:00
